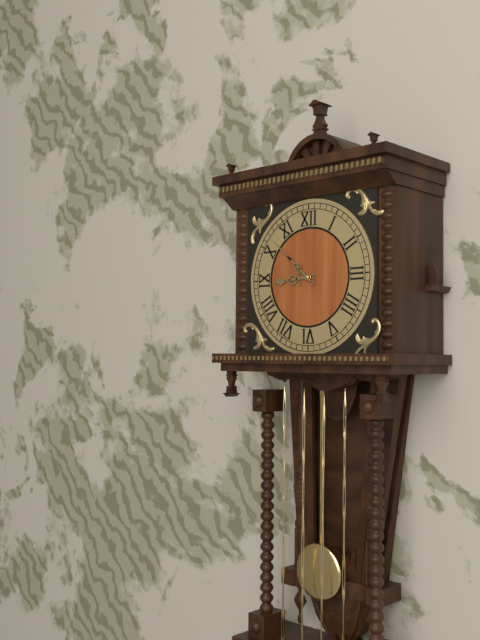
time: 8:52
